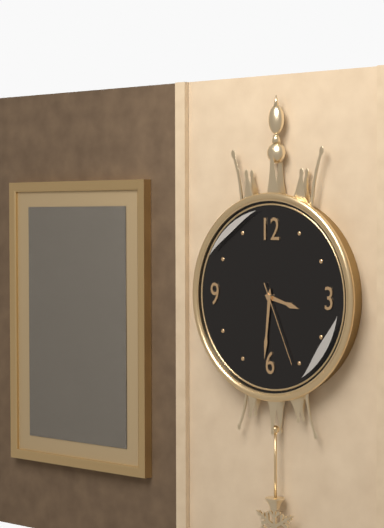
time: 3:31:26
